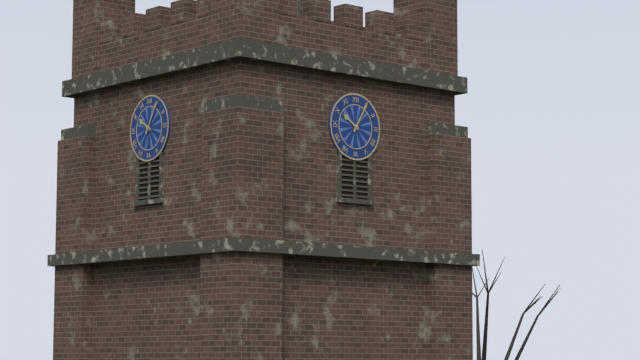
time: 10:05
